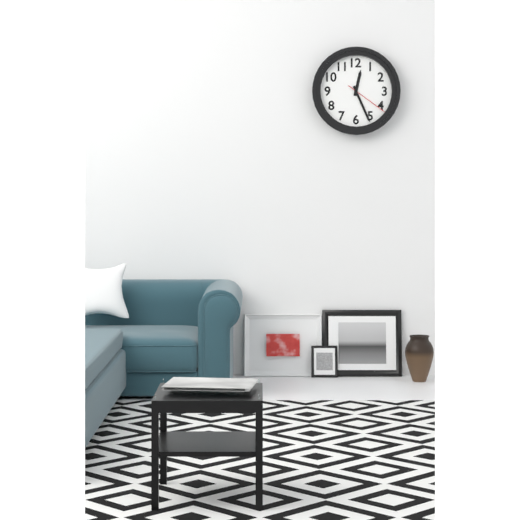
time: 12:26
